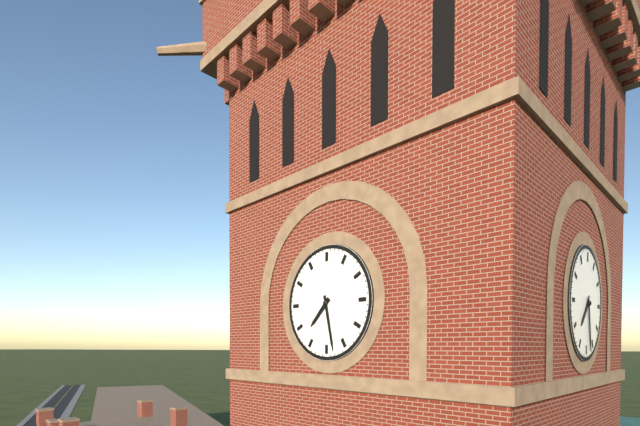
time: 7:28
